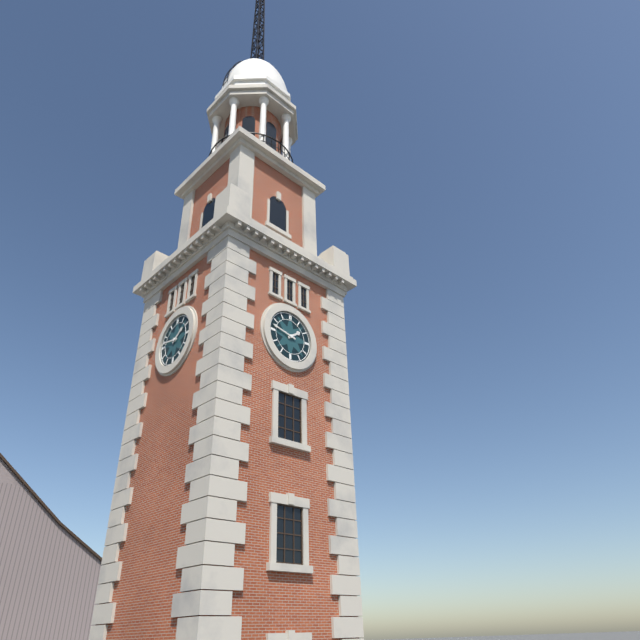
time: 1:47
